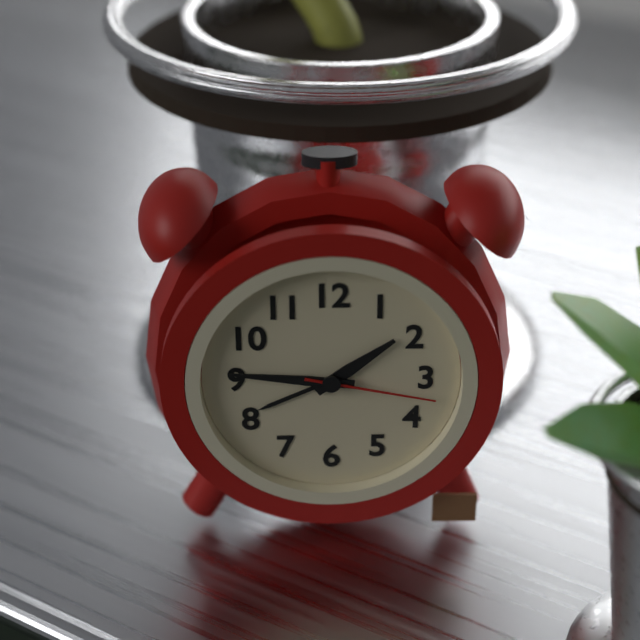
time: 1:46:17
